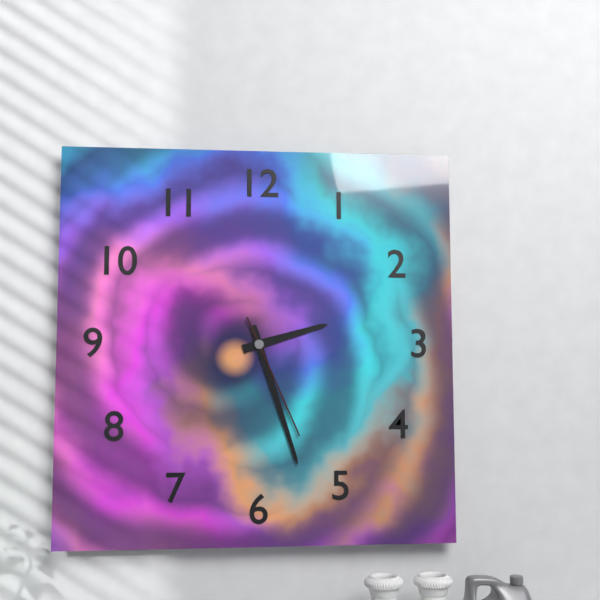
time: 2:27:26
